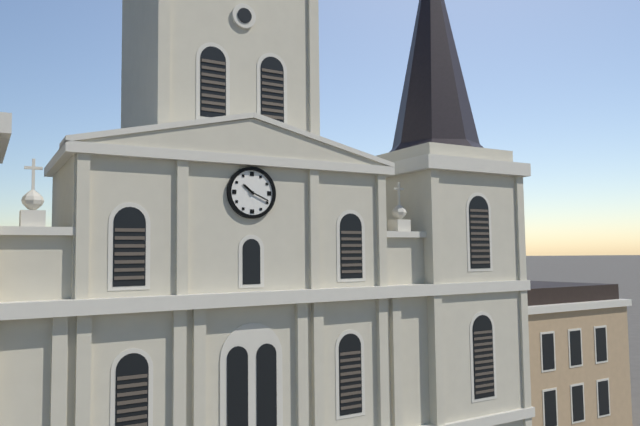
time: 10:19
